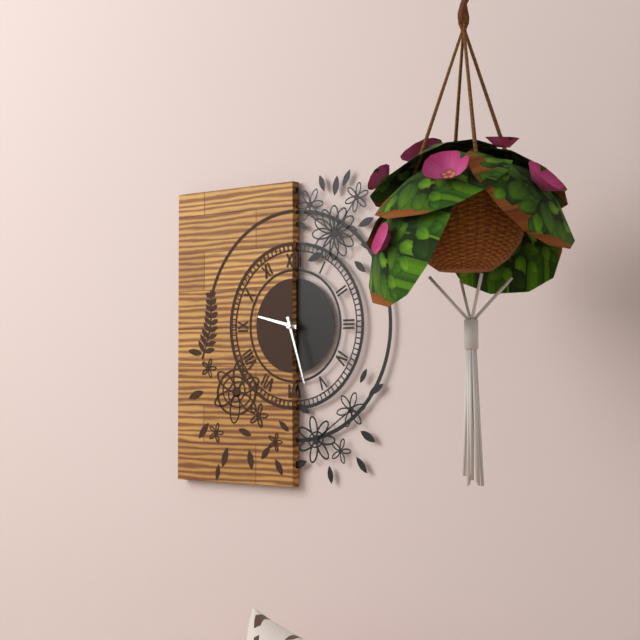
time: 9:27
